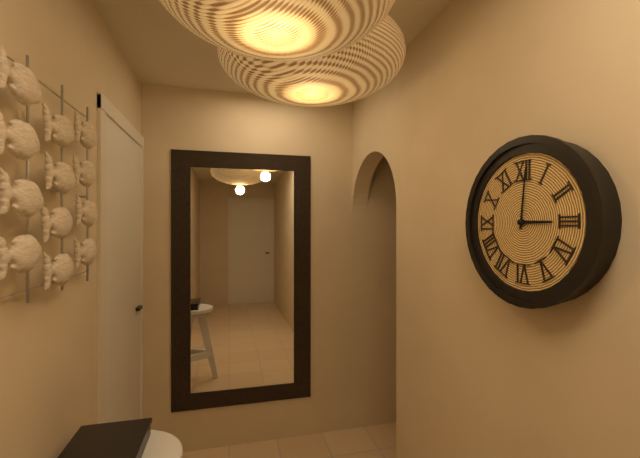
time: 3:01
